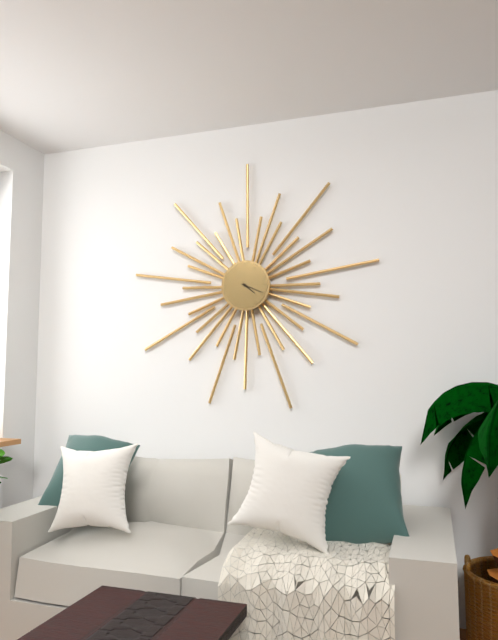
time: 4:19
